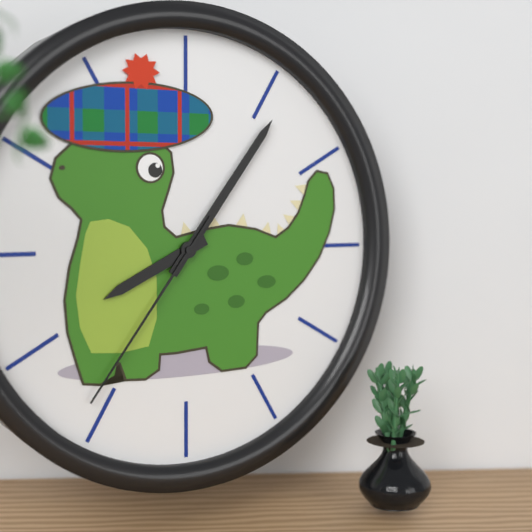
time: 8:06:36
